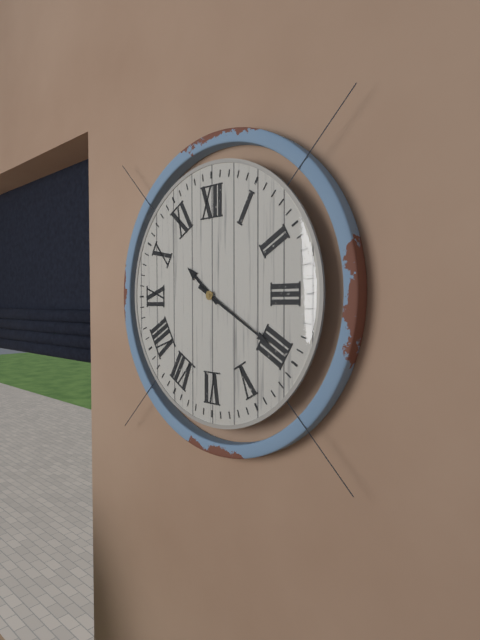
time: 10:20
